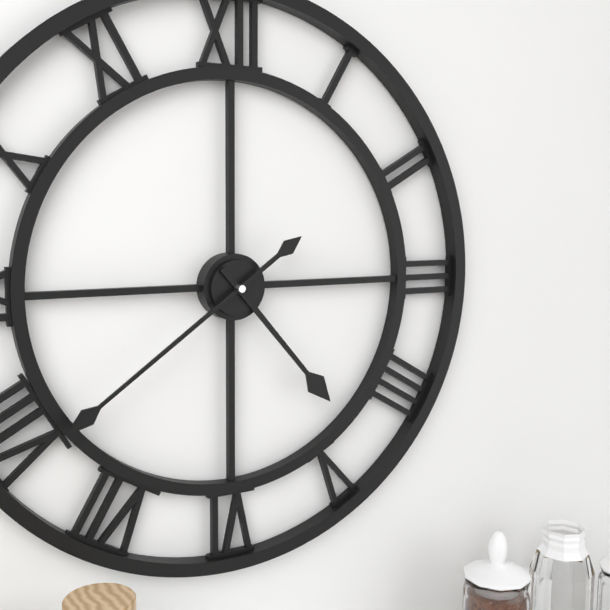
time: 4:39
